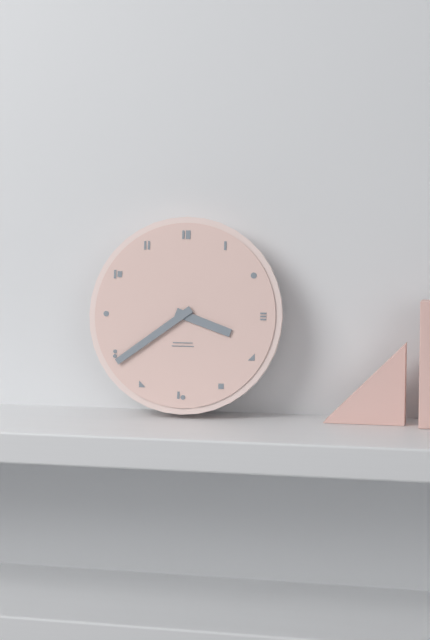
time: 3:39
